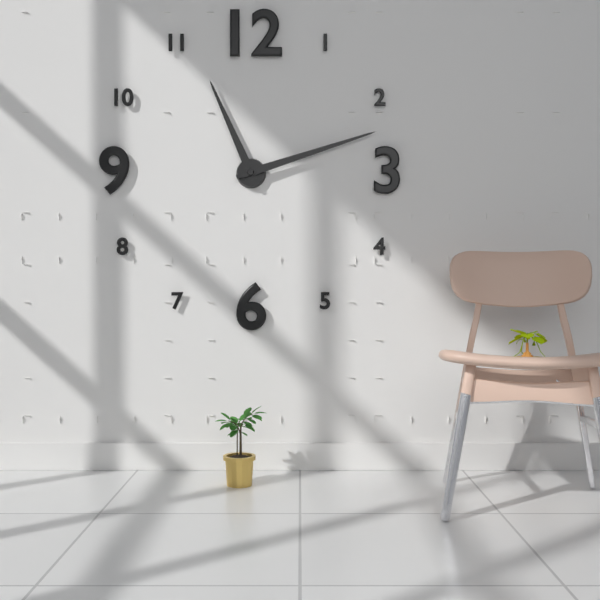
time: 11:12
